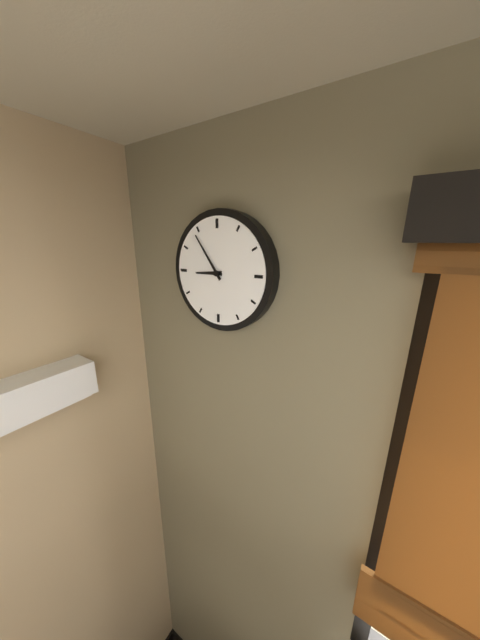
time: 8:54
